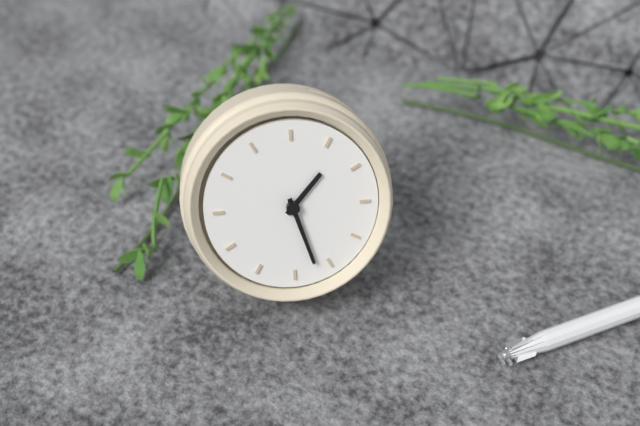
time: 12:22
